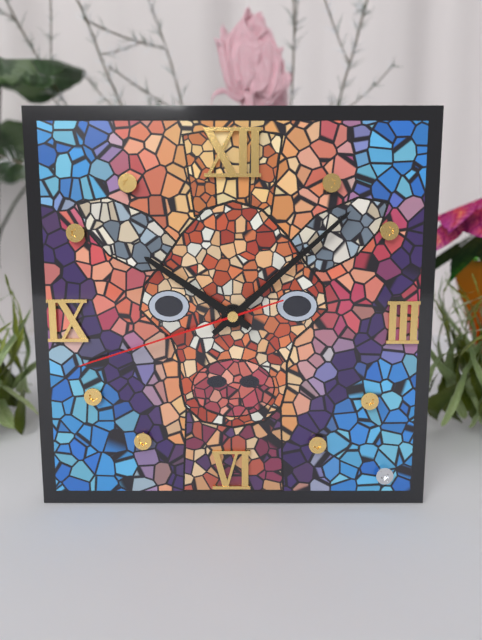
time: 10:08:42
